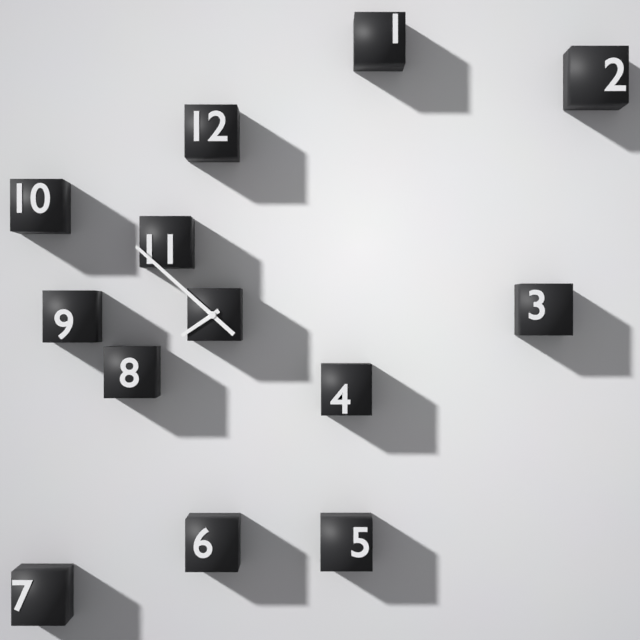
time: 7:52
